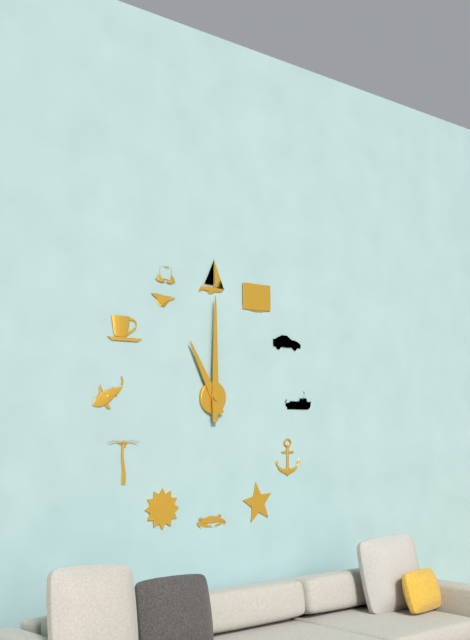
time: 11:00
